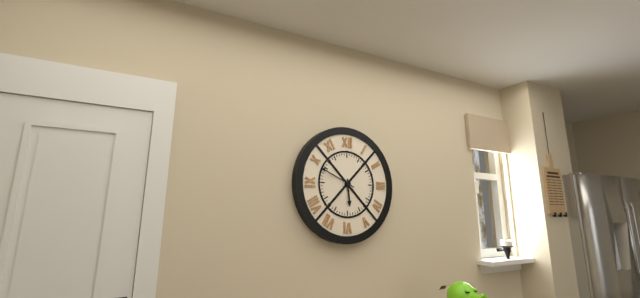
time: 5:49
